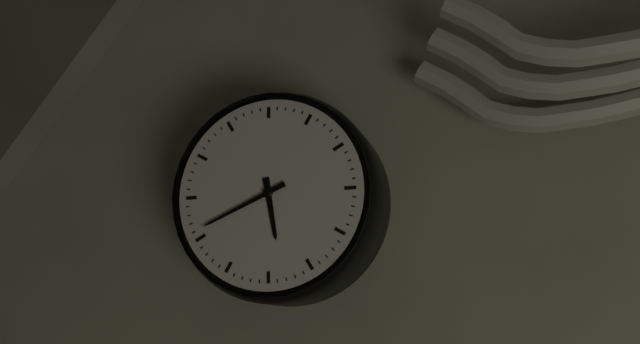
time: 5:41
